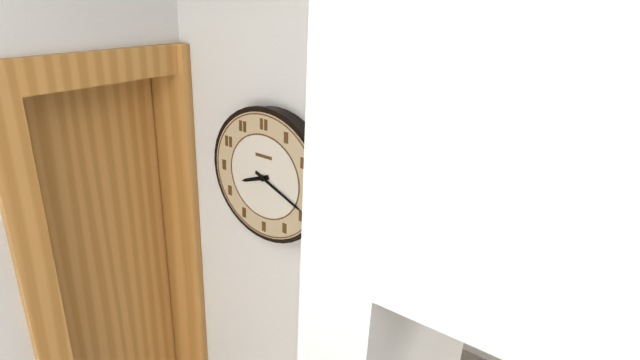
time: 8:19
